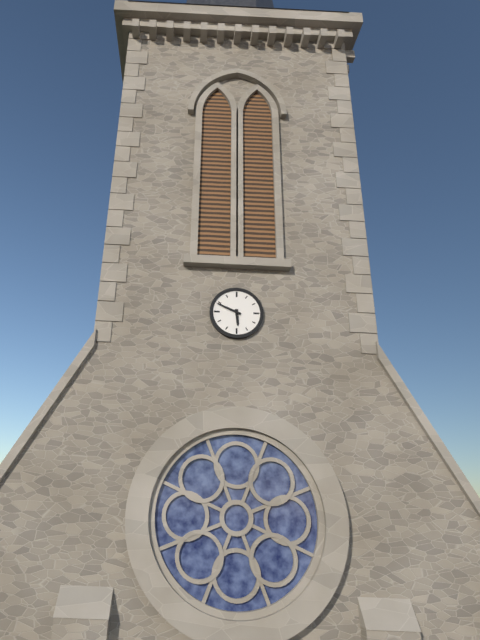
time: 5:49
